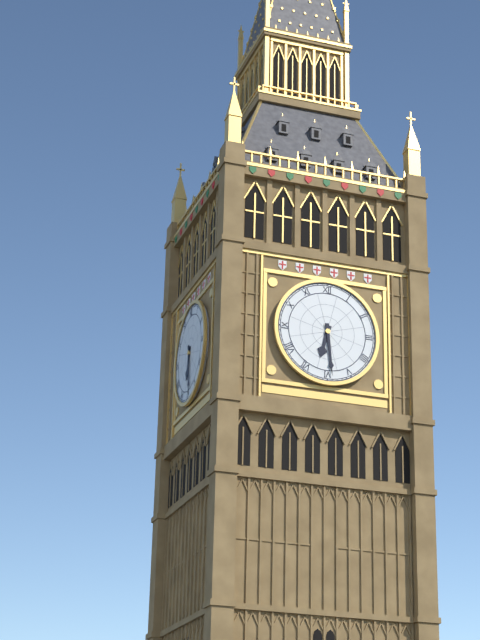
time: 6:29
